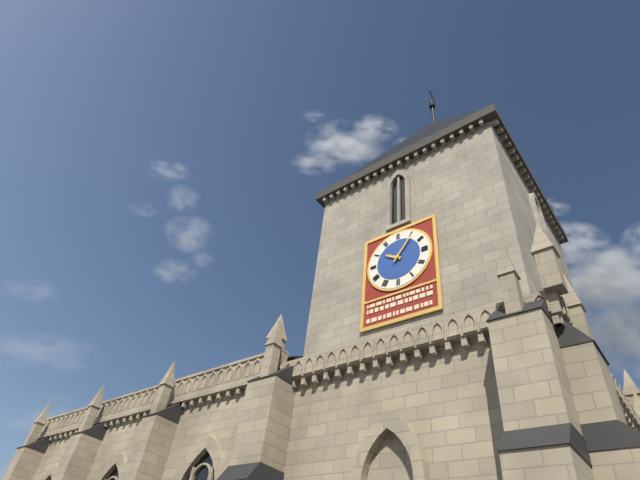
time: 10:06
